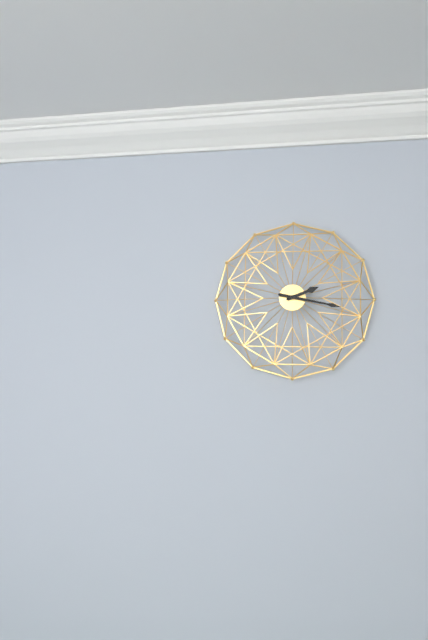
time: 2:17
